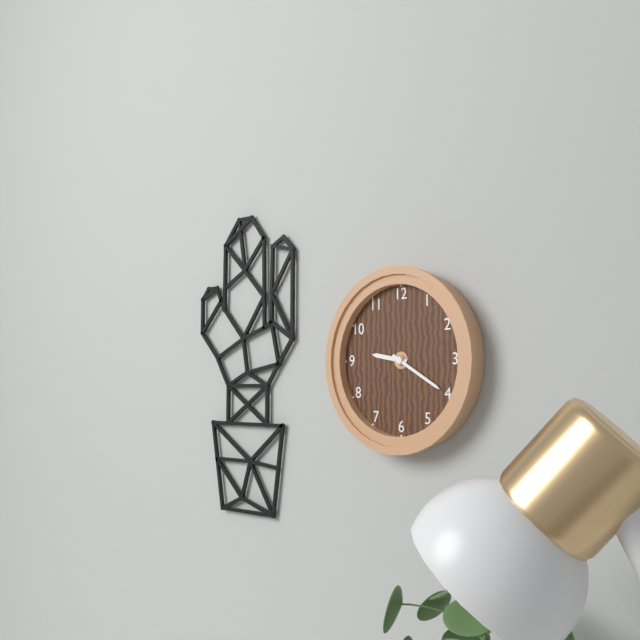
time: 9:20
